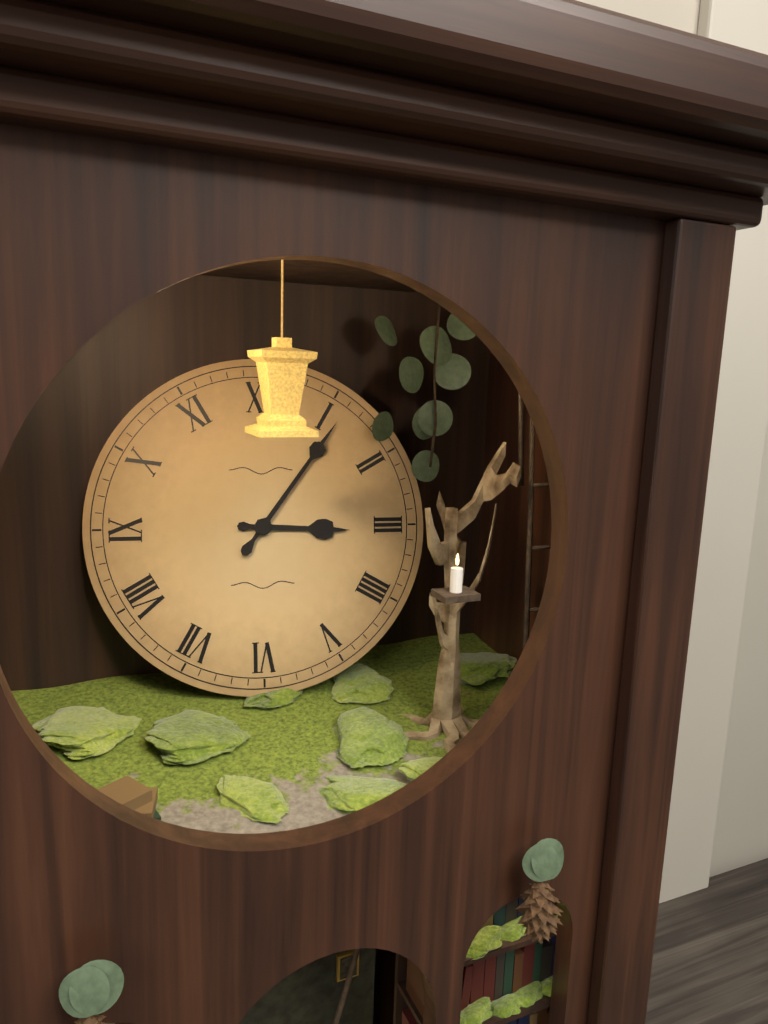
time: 3:06
